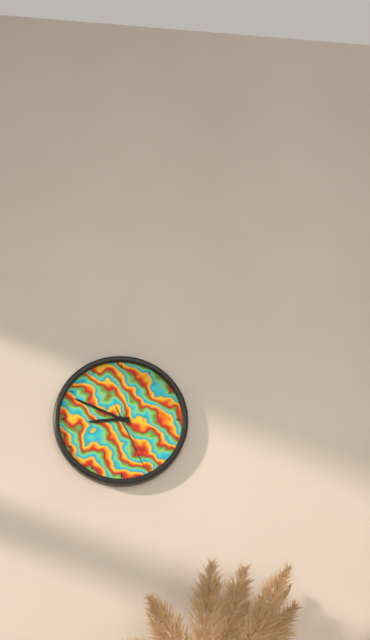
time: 8:49:26
